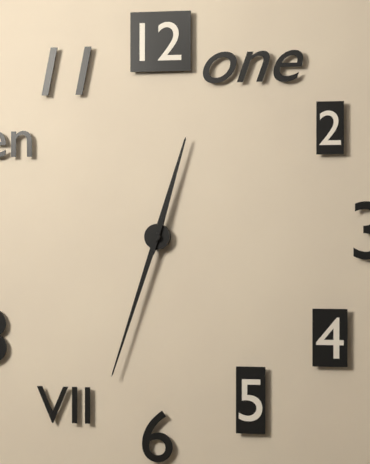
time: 12:33
